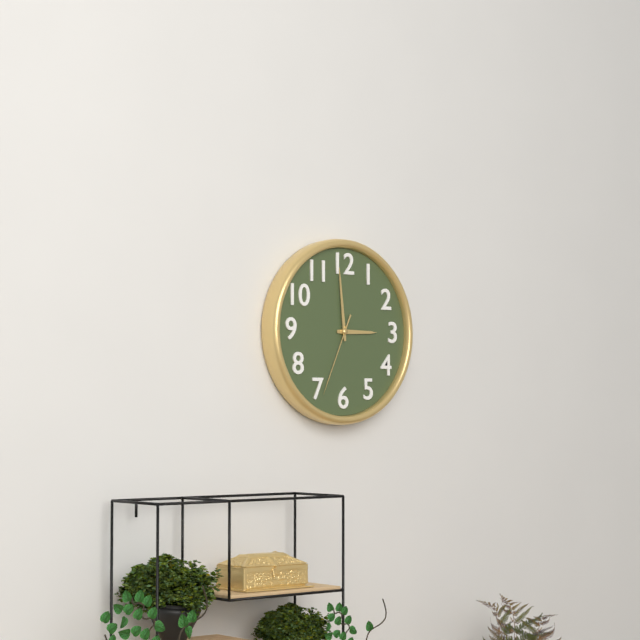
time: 2:59:34
